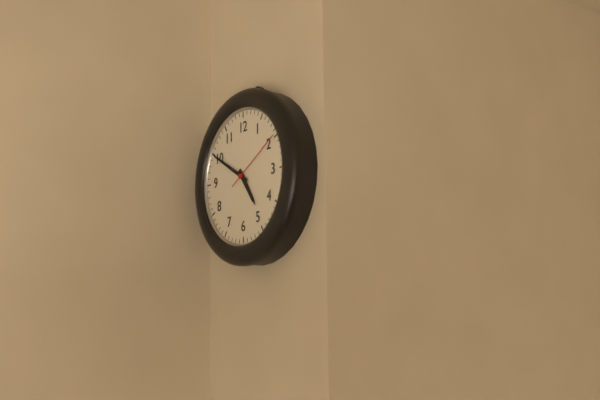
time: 4:50:10
